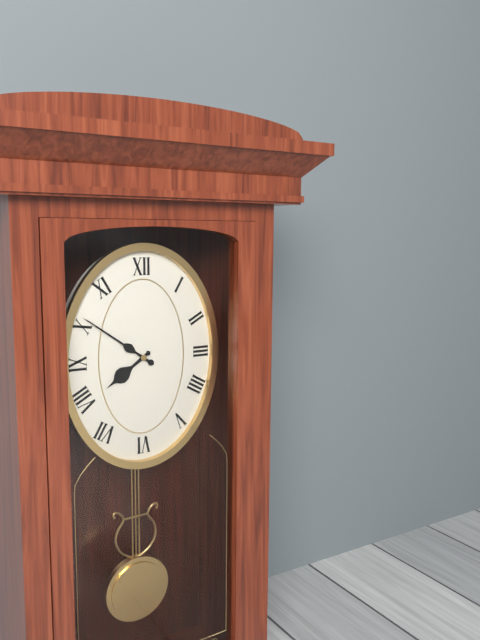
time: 7:51
